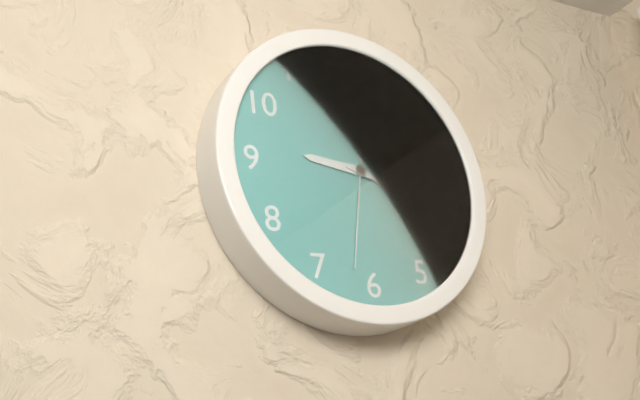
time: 9:18:32
